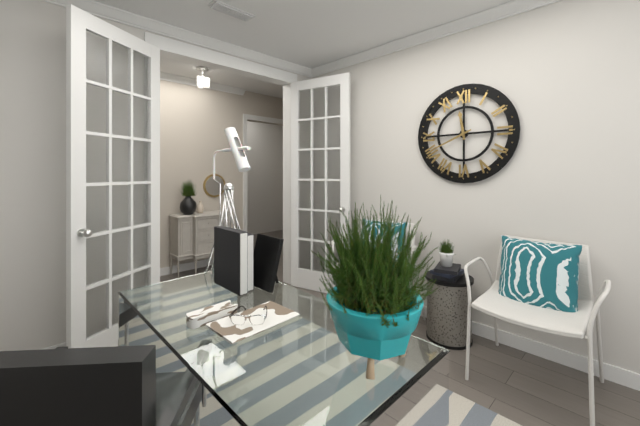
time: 11:41
